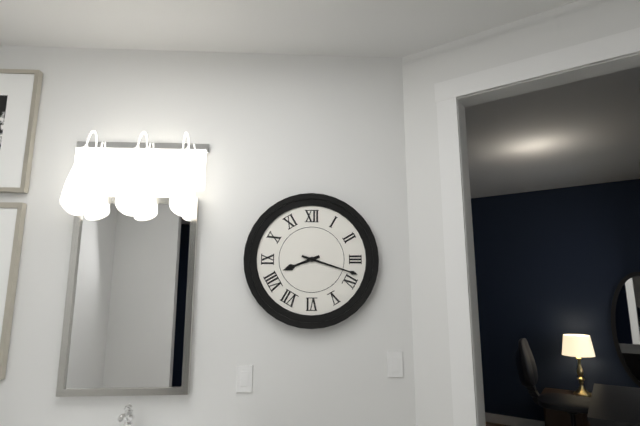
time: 8:18
